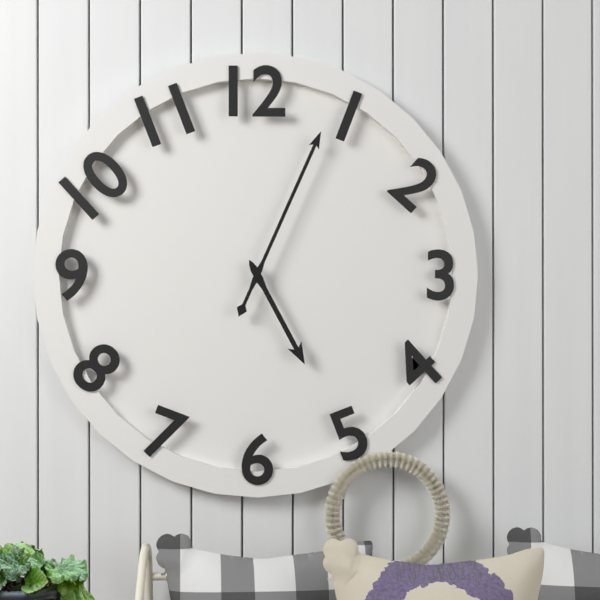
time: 5:04
